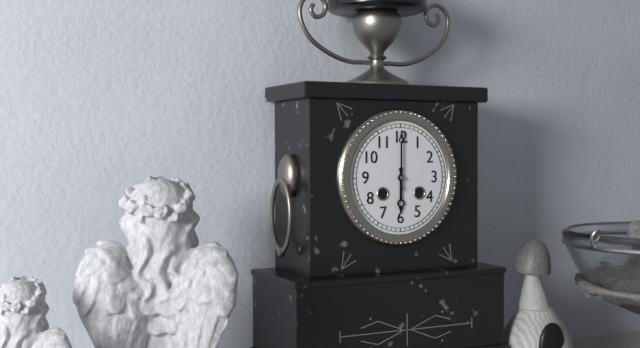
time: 6:00
